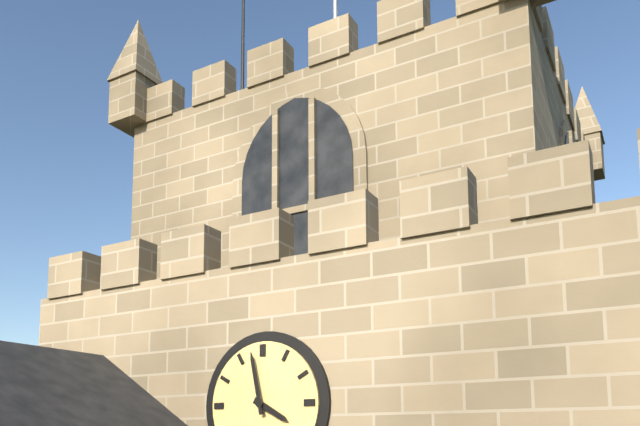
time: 3:58
